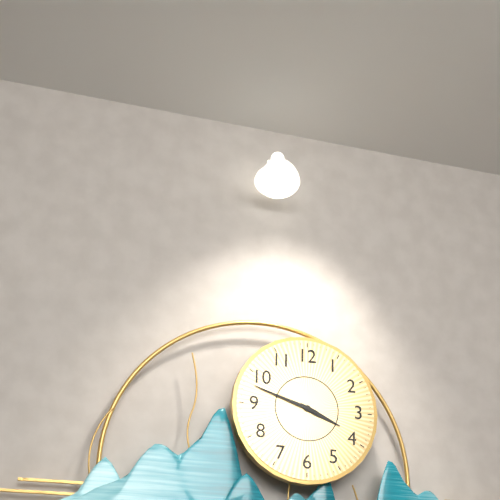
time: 3:48
